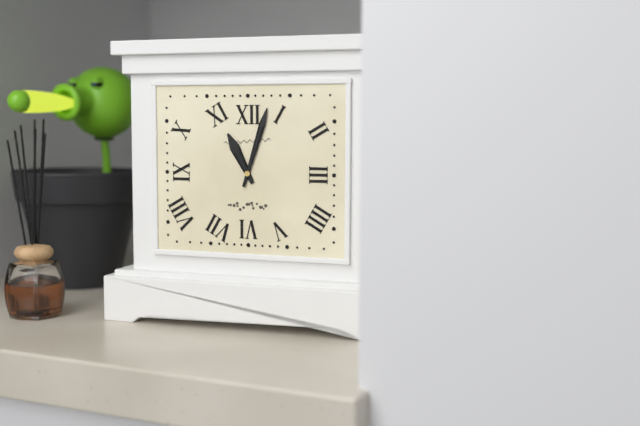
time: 11:03
